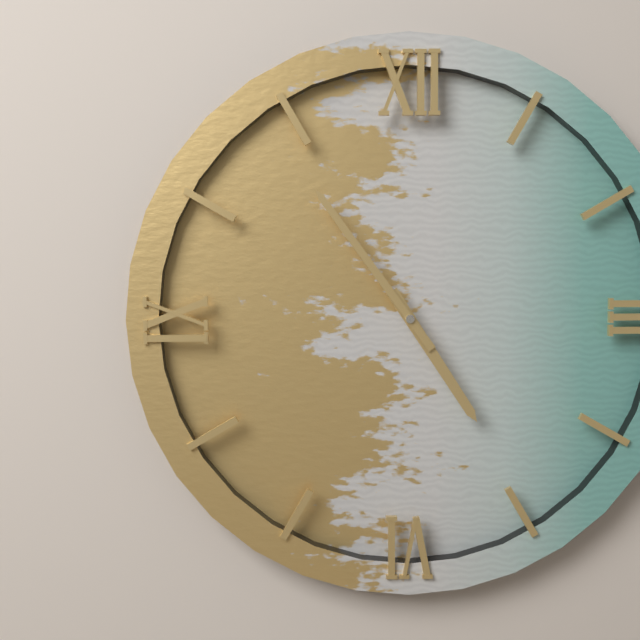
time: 4:54
